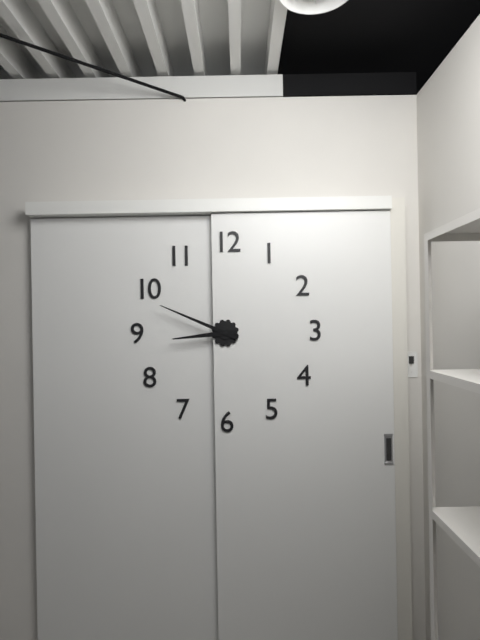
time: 8:49
